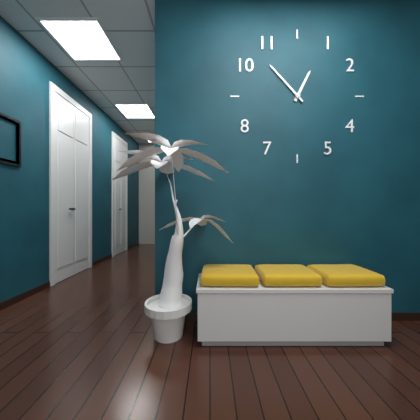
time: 12:53
